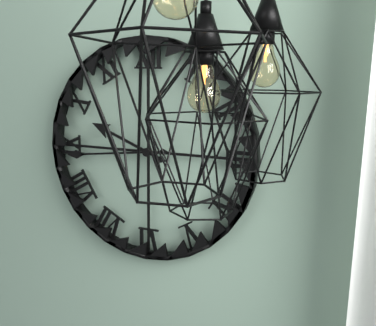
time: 9:44
